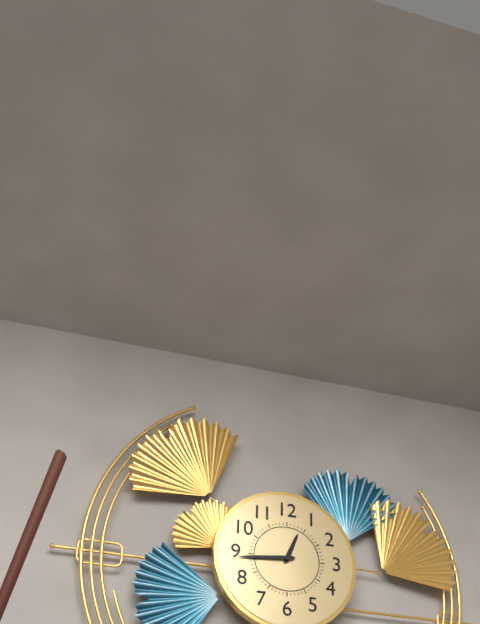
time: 12:44
